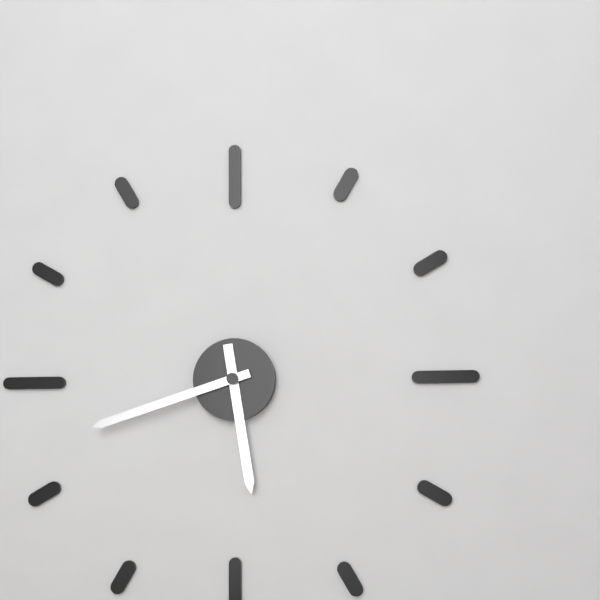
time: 5:42
